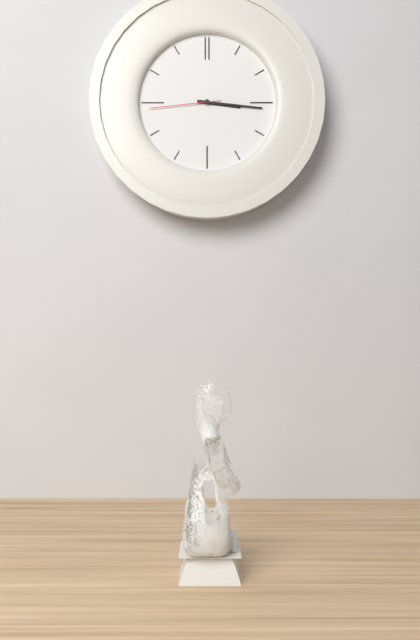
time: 3:16:44
